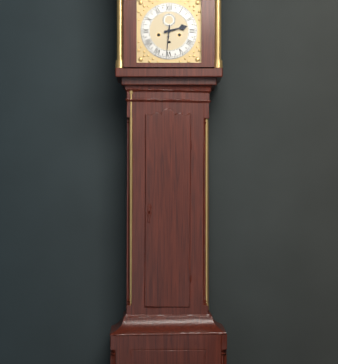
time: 2:31
